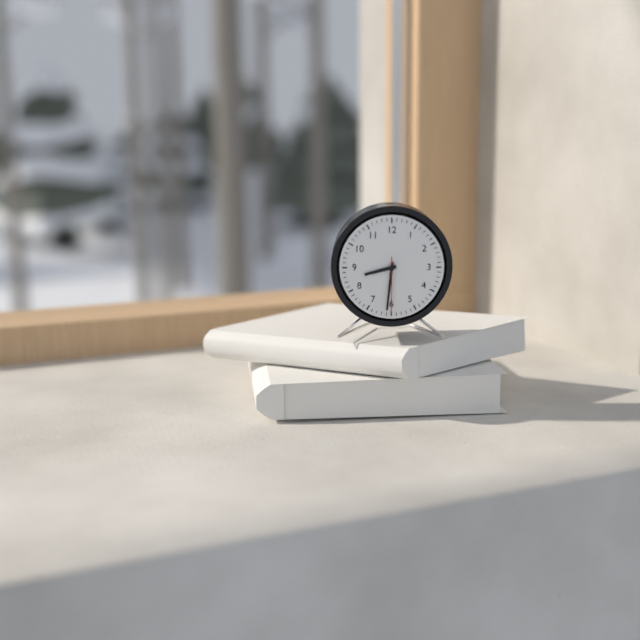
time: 8:31:30
